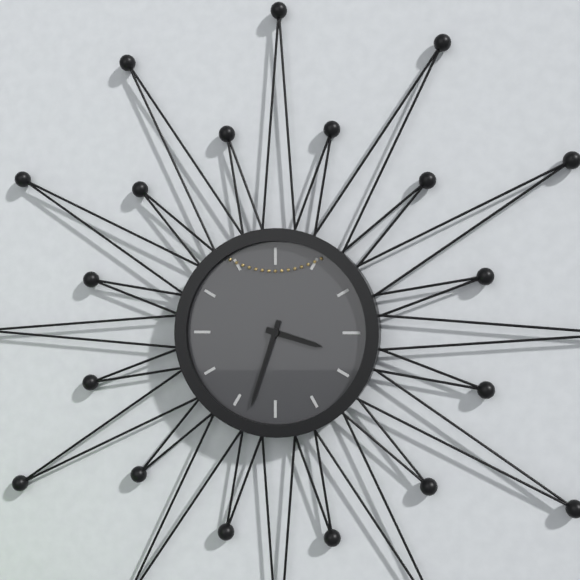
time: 3:33
